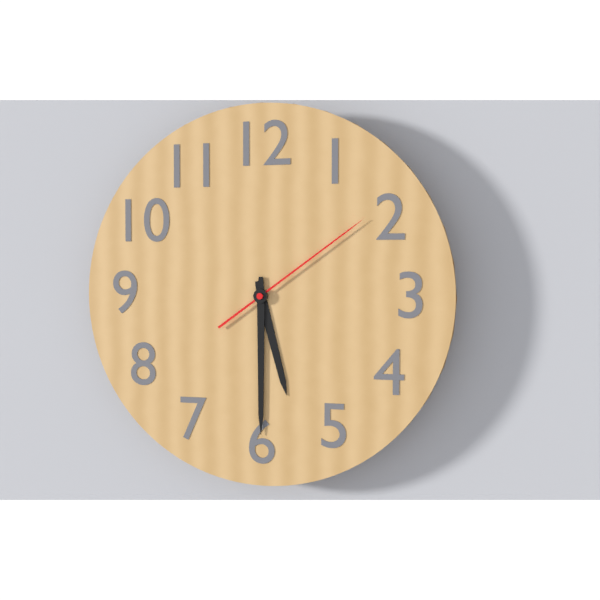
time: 5:30:09
